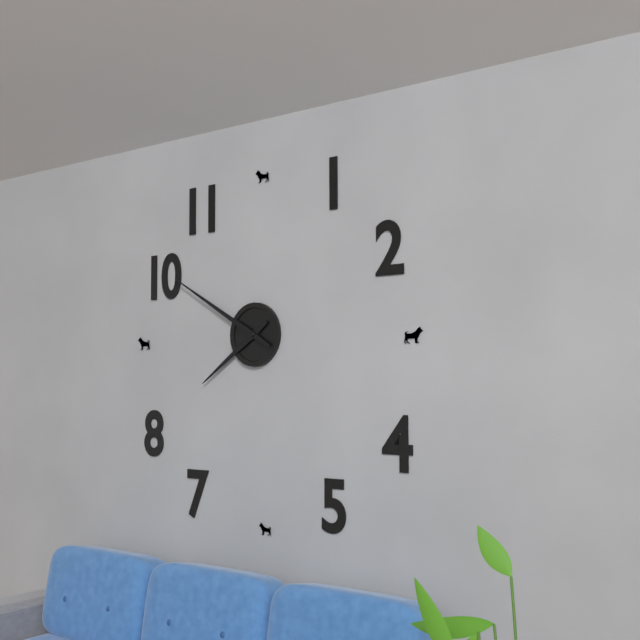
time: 7:50
